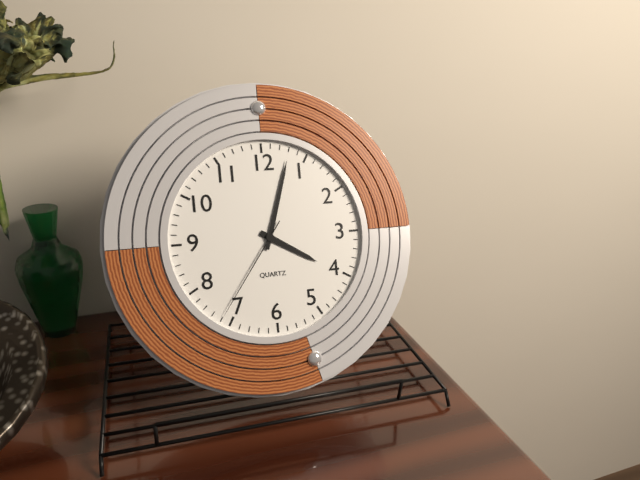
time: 4:03:36
